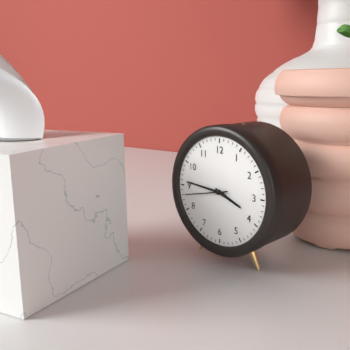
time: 3:46
